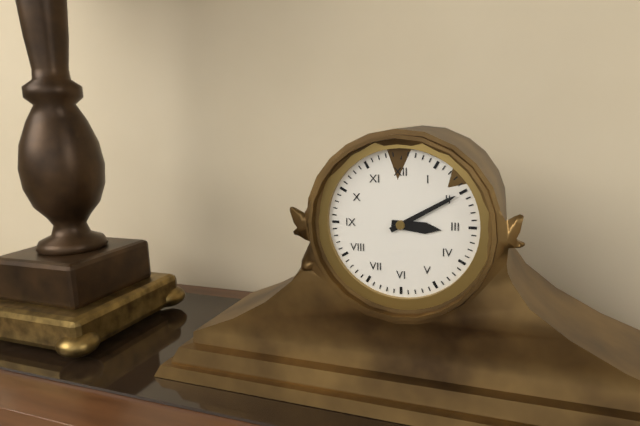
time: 3:10
